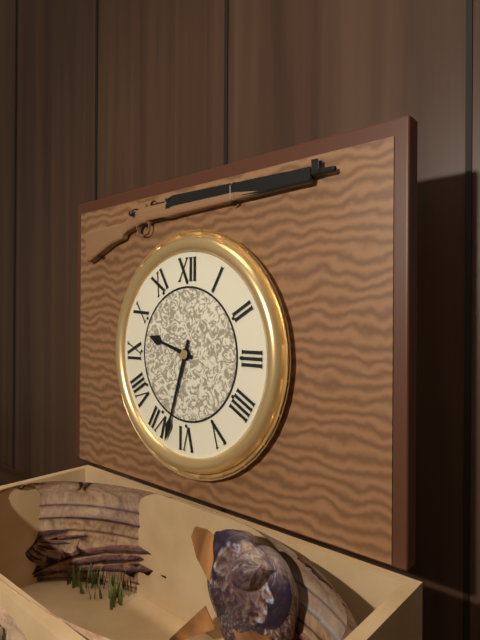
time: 9:33
